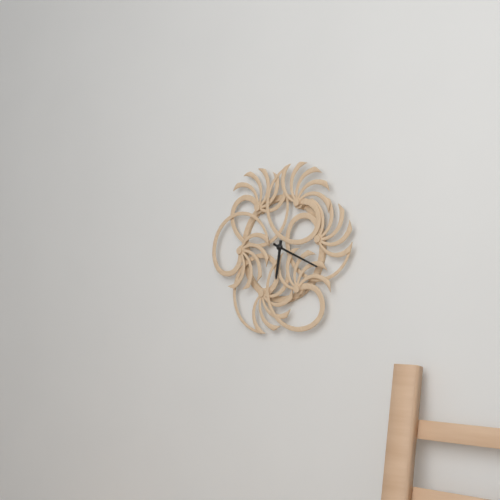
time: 6:19
